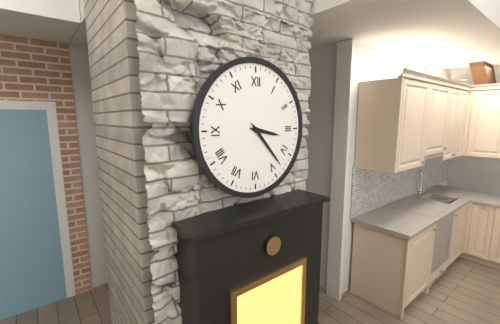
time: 3:23
